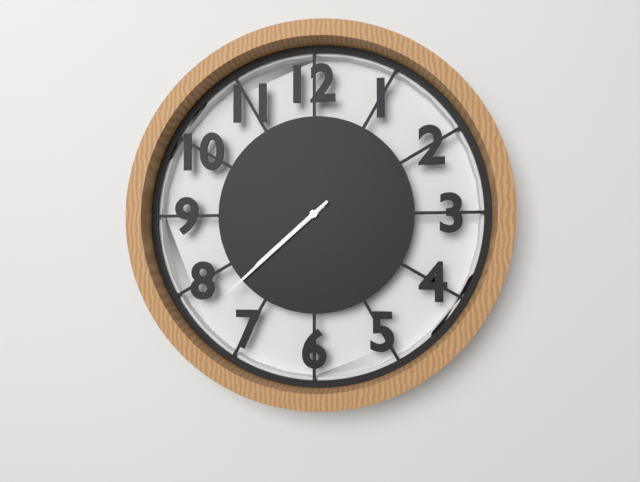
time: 7:38
